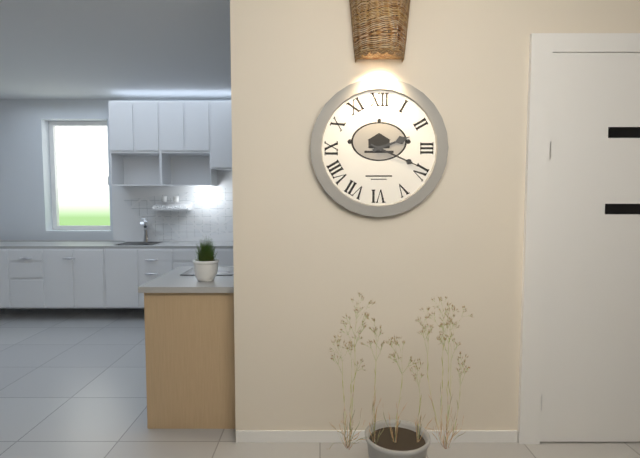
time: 2:19
